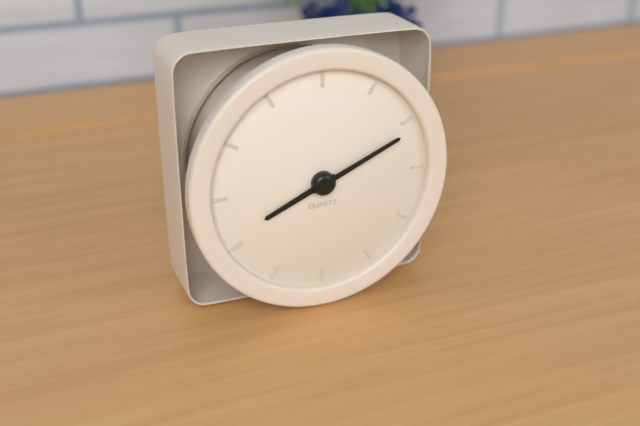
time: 8:11
